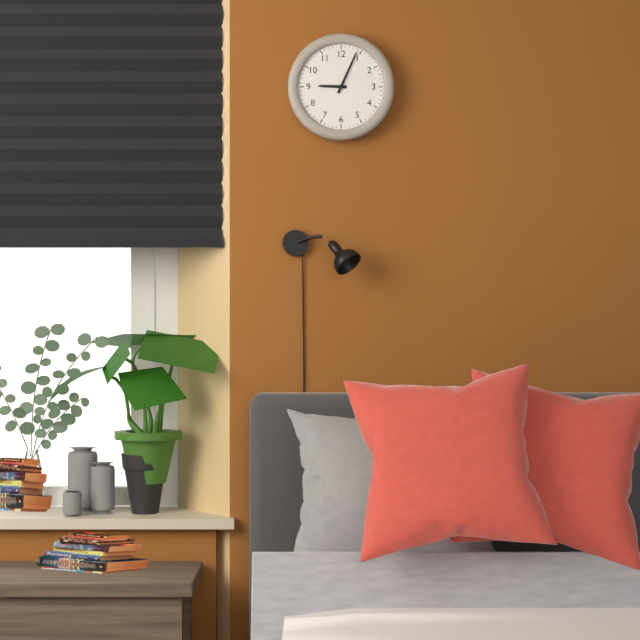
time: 9:04
